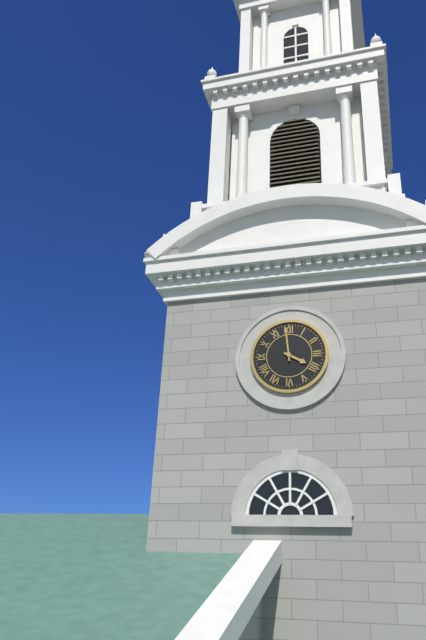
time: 3:59
